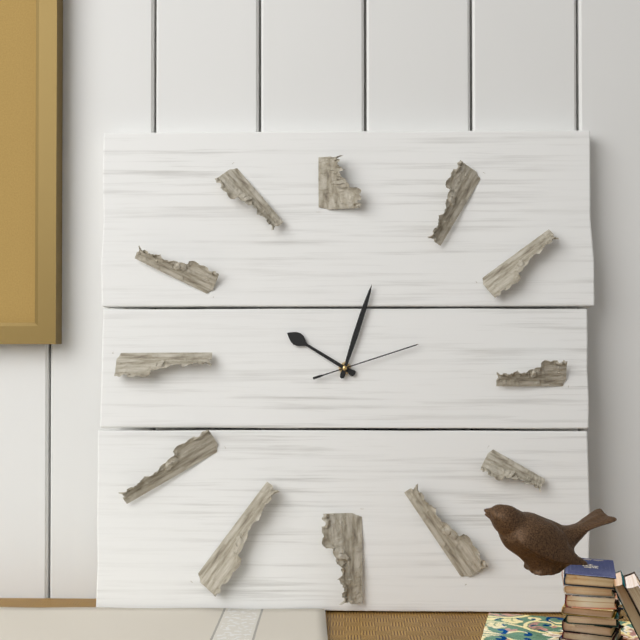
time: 10:03:12
